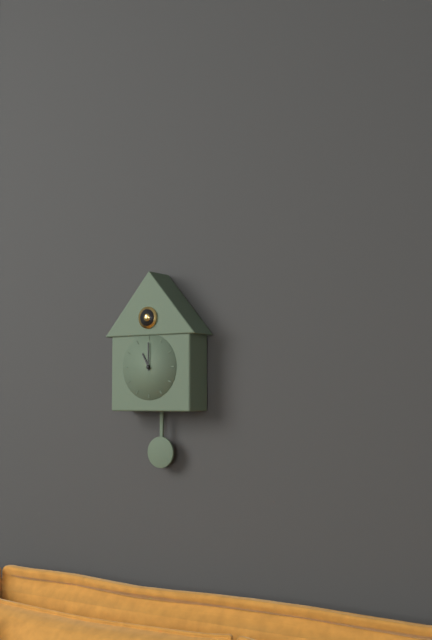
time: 11:00
